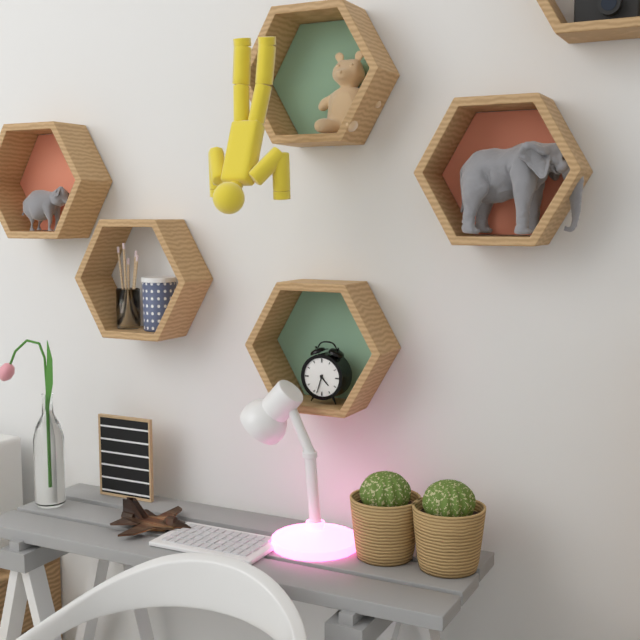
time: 4:33
